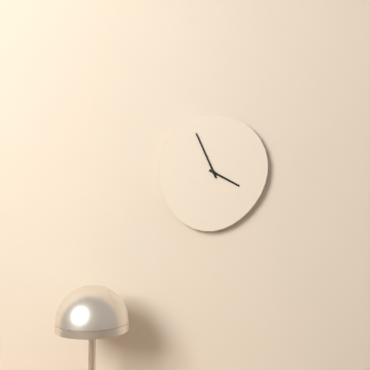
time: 3:56
